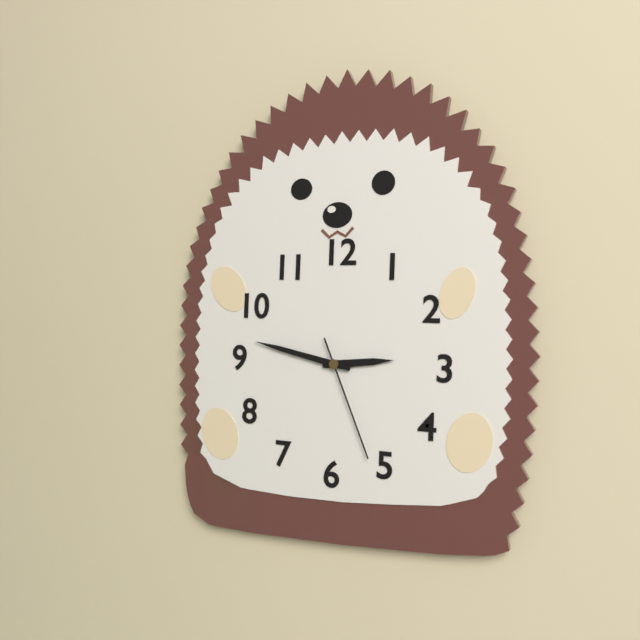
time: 2:47:26
